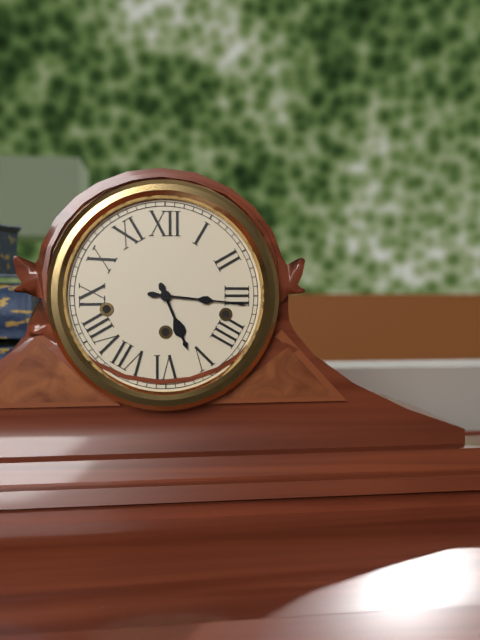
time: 5:16
